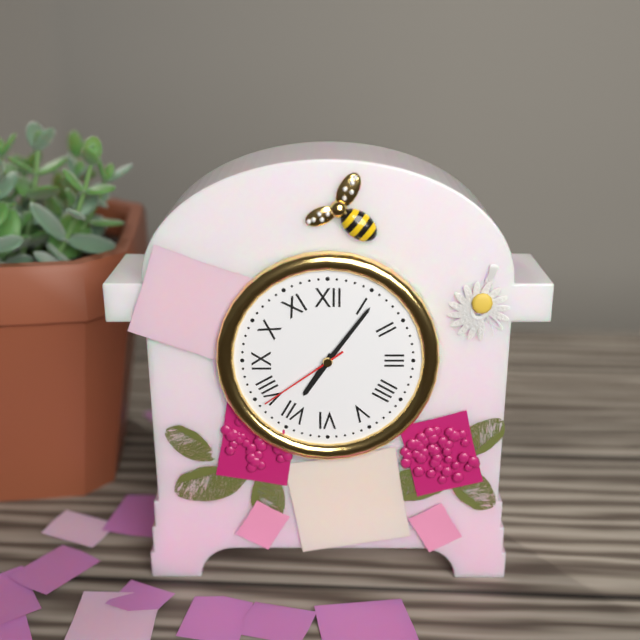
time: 7:06:39
